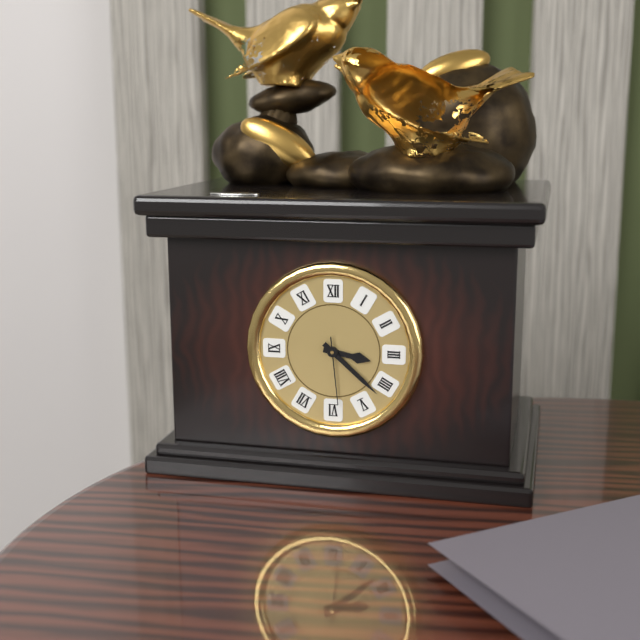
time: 3:22:29
